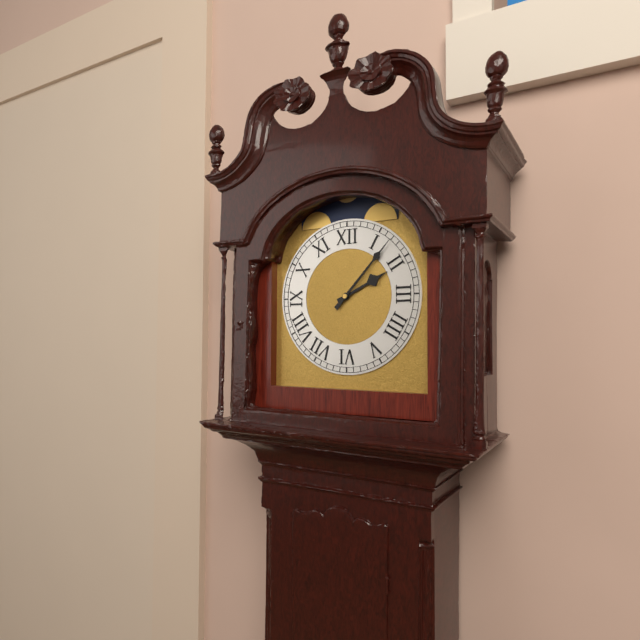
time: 2:07
